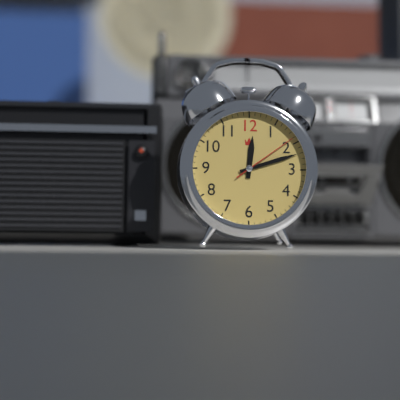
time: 12:12:09
